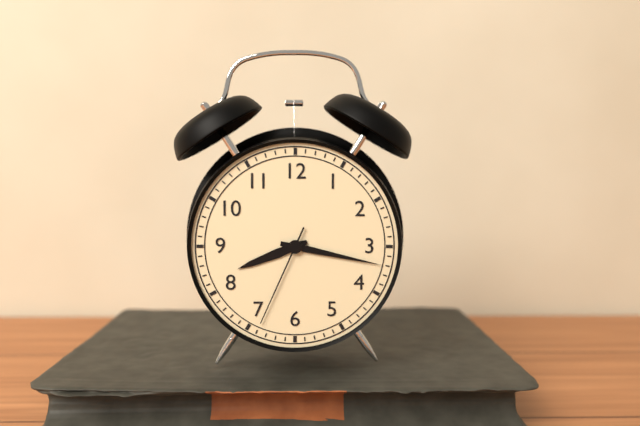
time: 8:17:34
